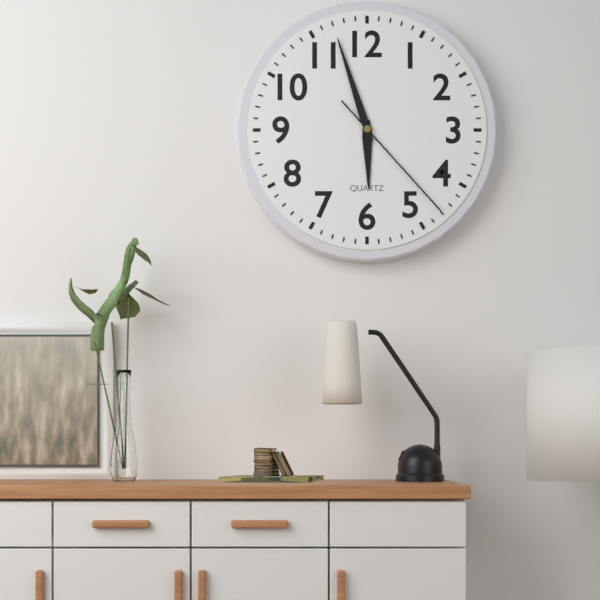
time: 5:57:23
